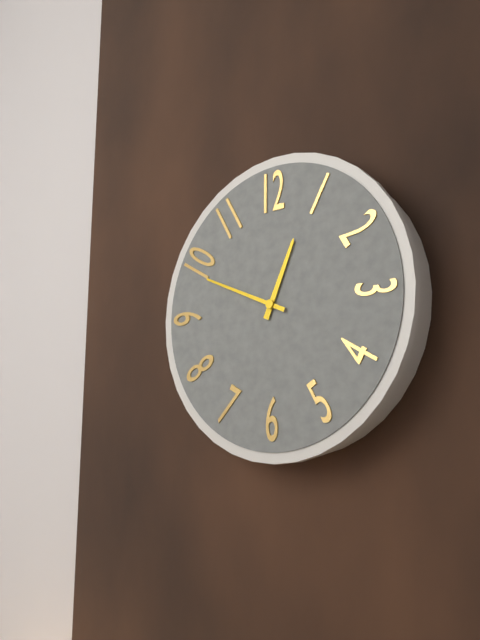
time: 12:49
